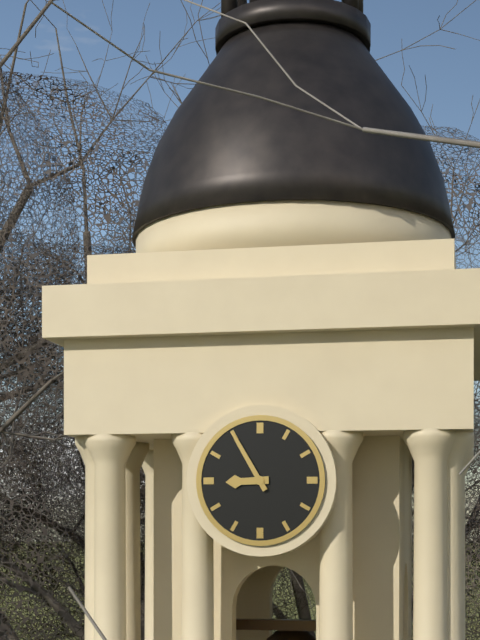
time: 8:55
